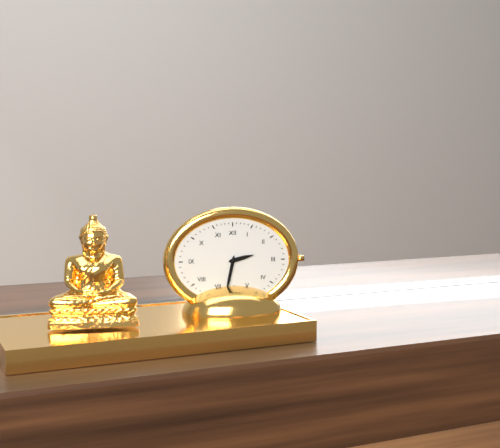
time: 2:32
